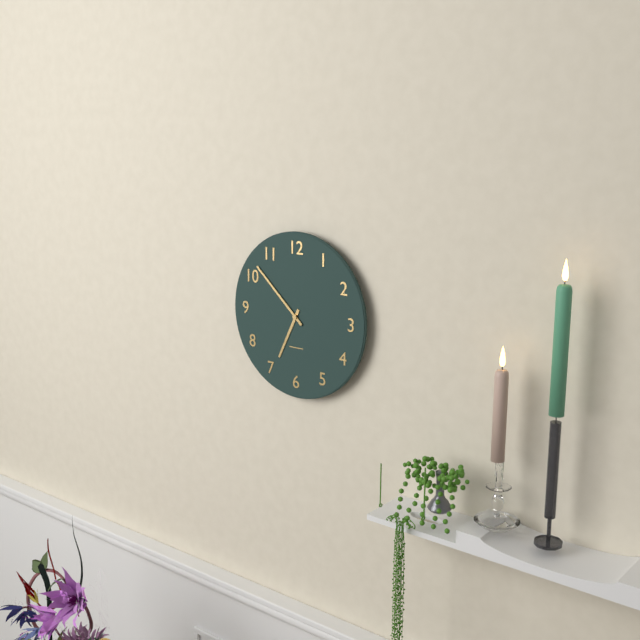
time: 6:52
